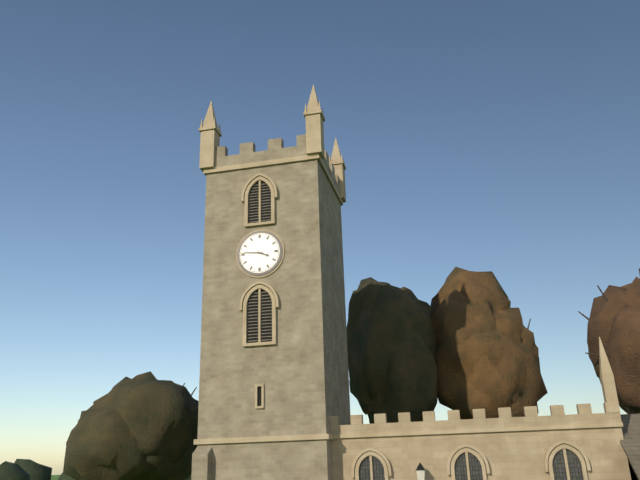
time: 3:46
